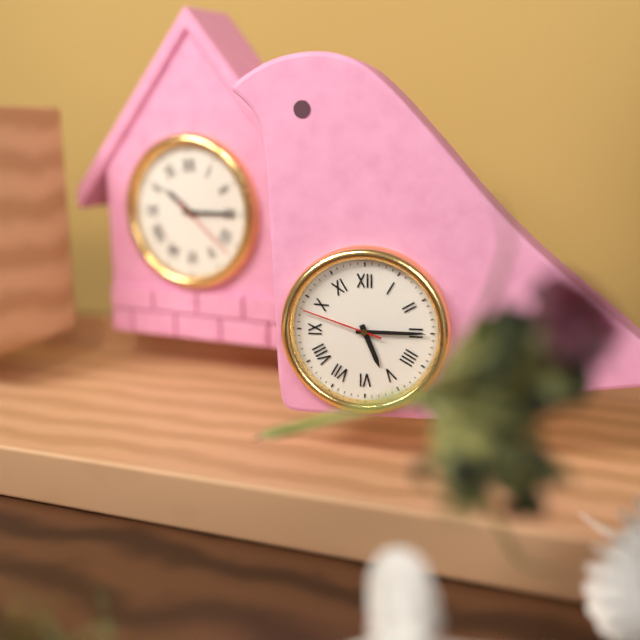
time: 5:15:48
